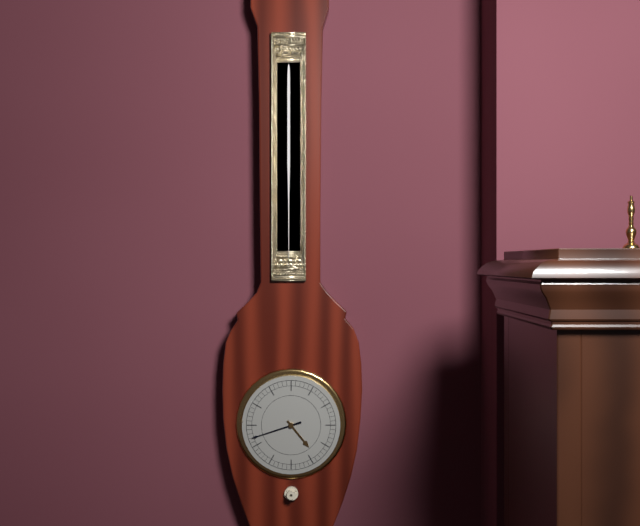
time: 4:42
